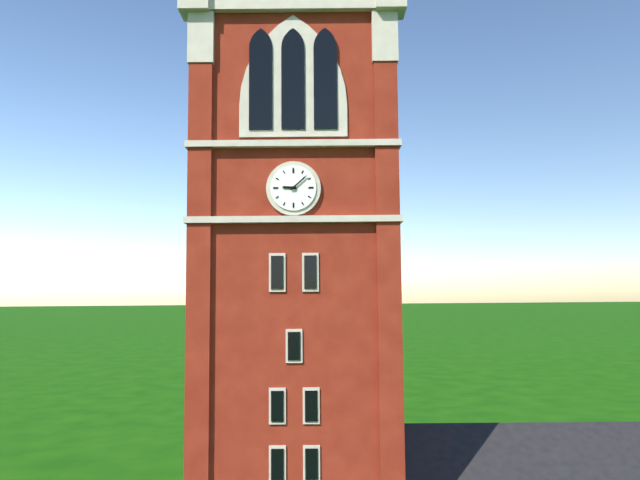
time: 9:08
